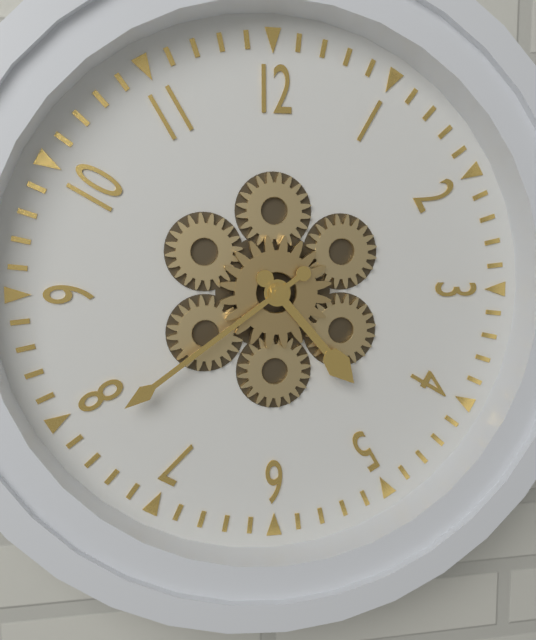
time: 4:39
